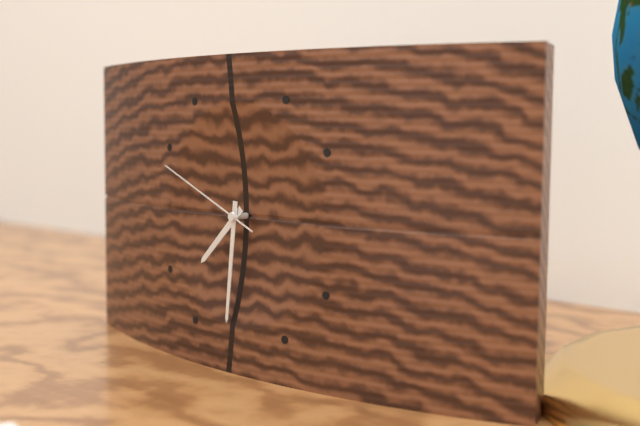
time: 7:31:49
